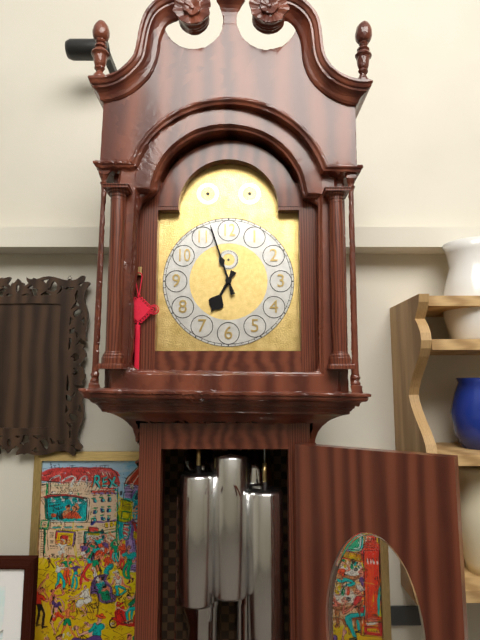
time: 6:57
